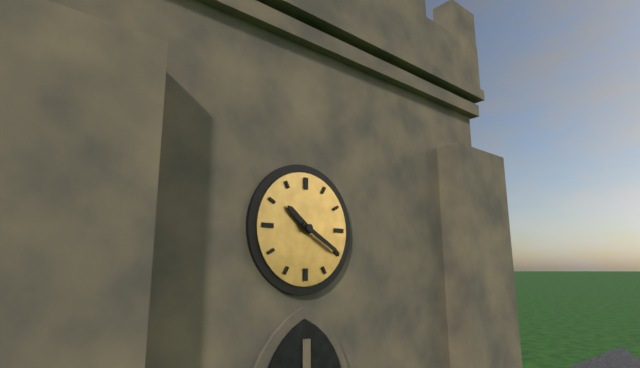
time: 10:20
